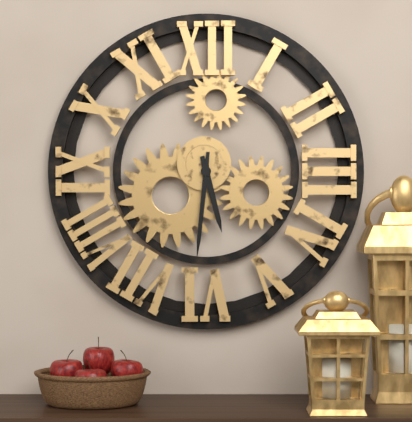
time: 5:31
